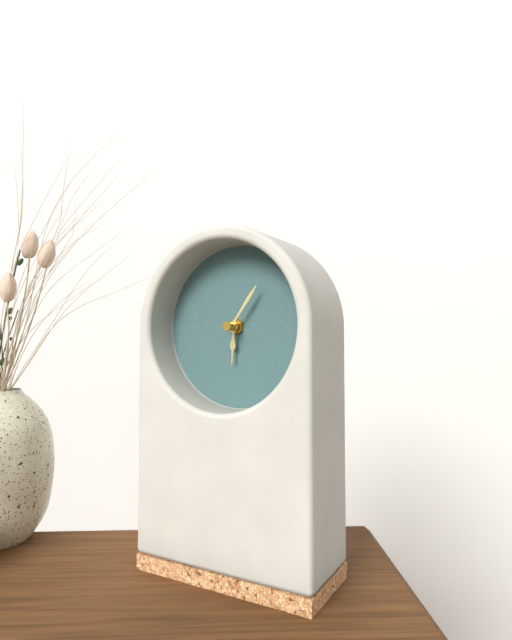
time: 6:06
